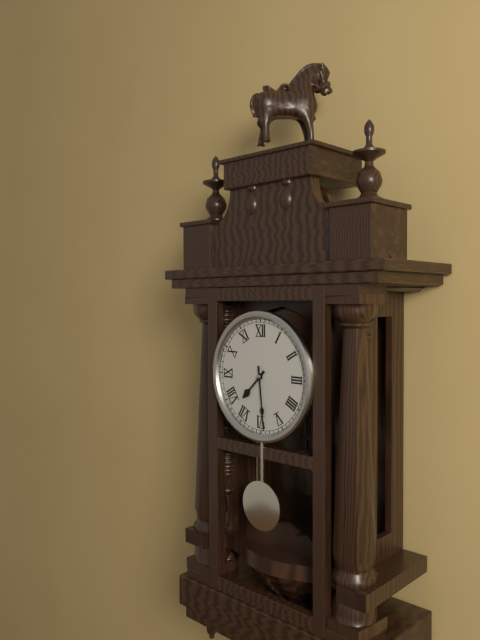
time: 7:29
